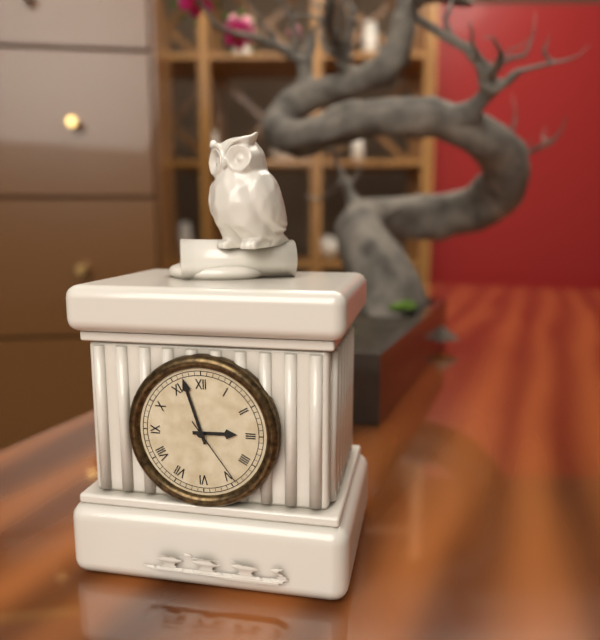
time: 2:57:24
